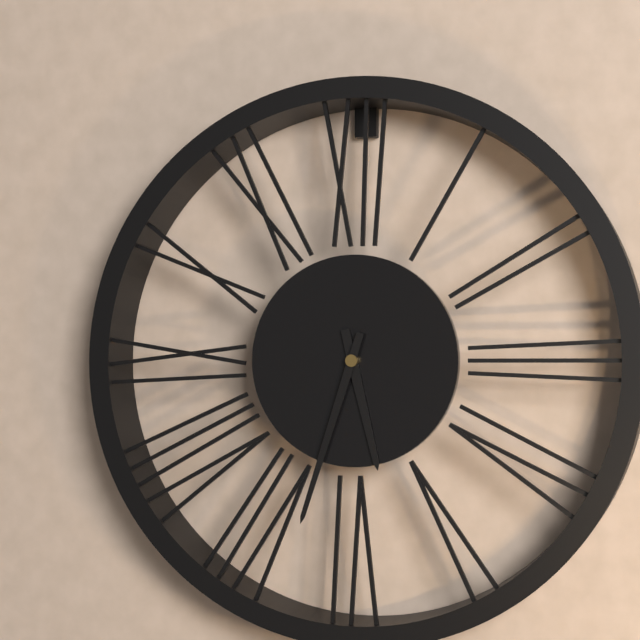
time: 5:33
